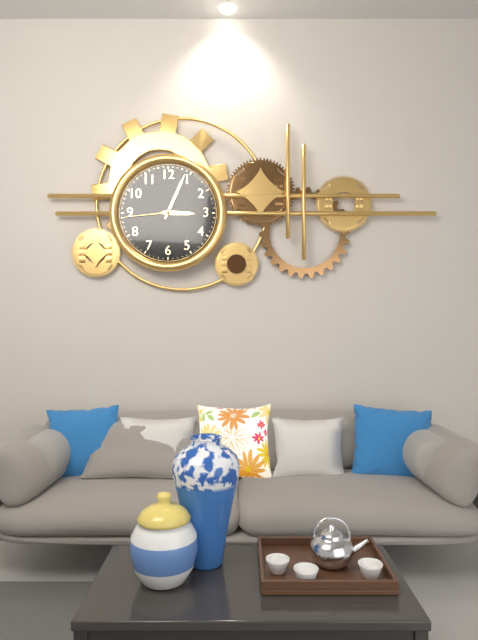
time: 3:04:44
